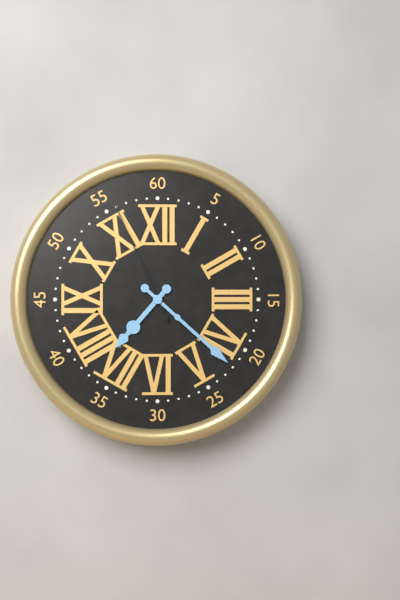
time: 7:22:56
